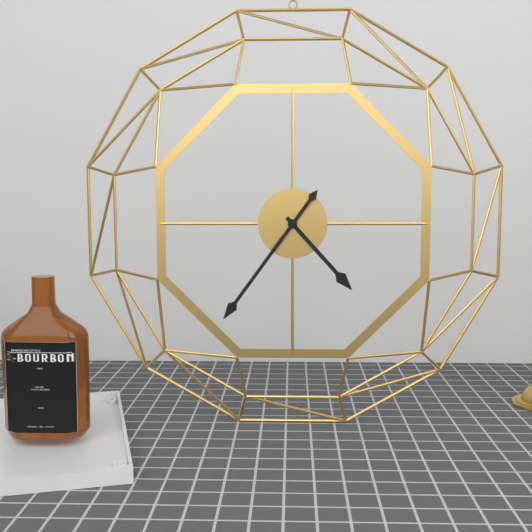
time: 4:36
